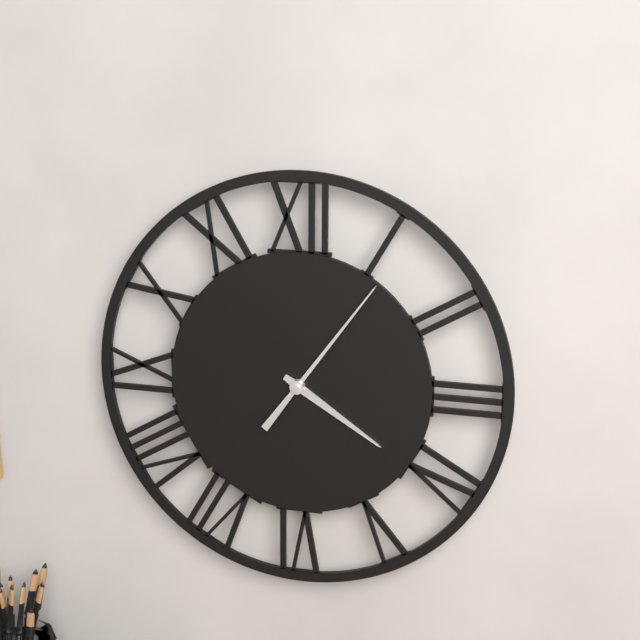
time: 4:06
